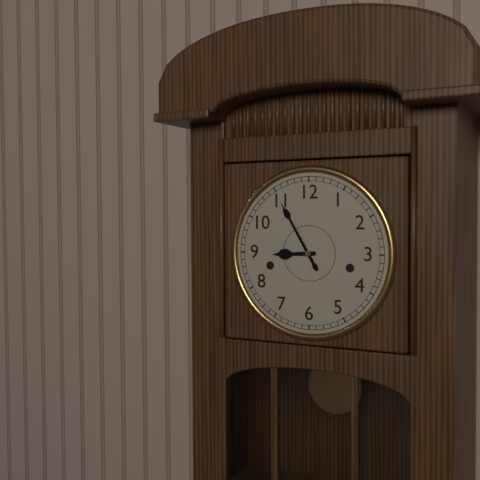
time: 8:55
